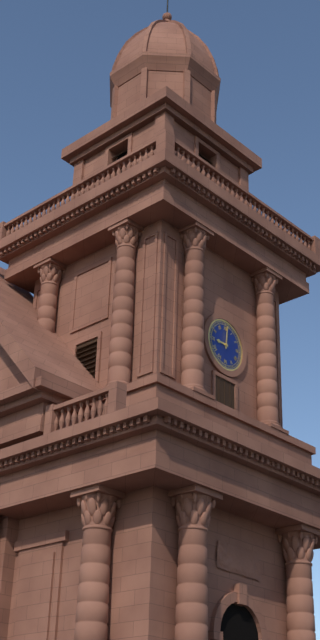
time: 9:01
